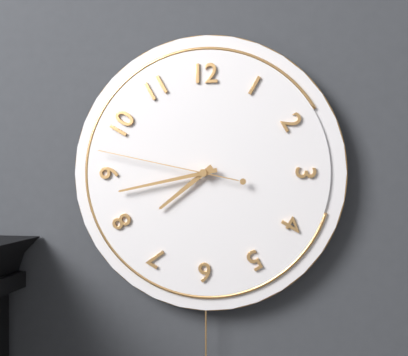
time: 7:43:47
